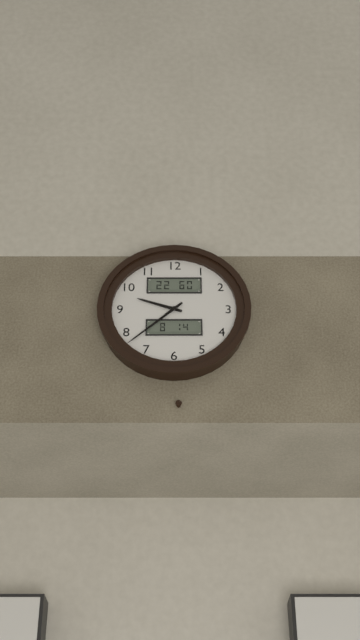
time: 9:38
